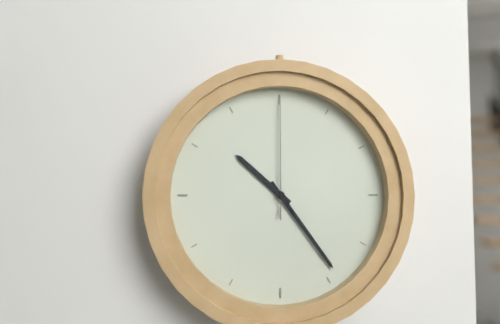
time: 10:24:00
